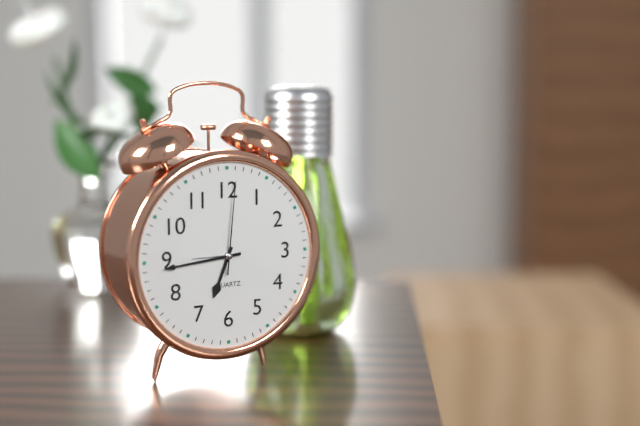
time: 6:44:01
